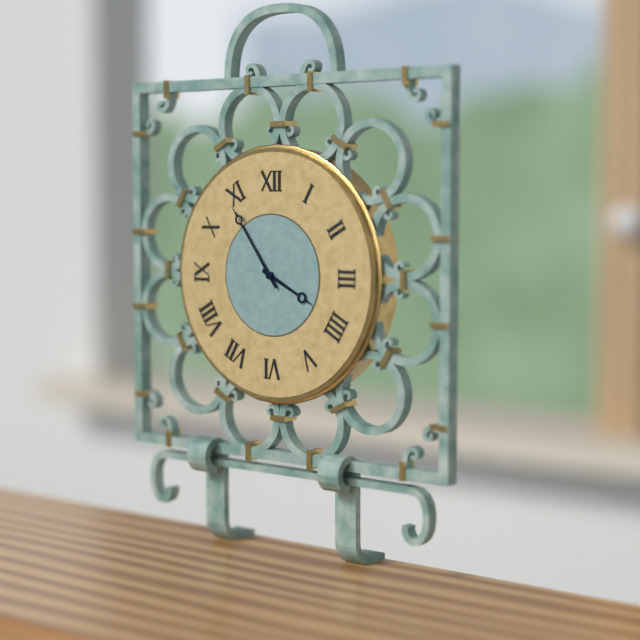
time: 3:54
